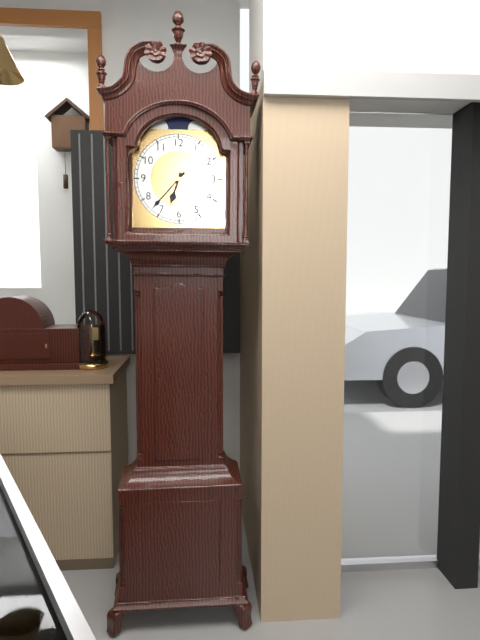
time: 6:37
